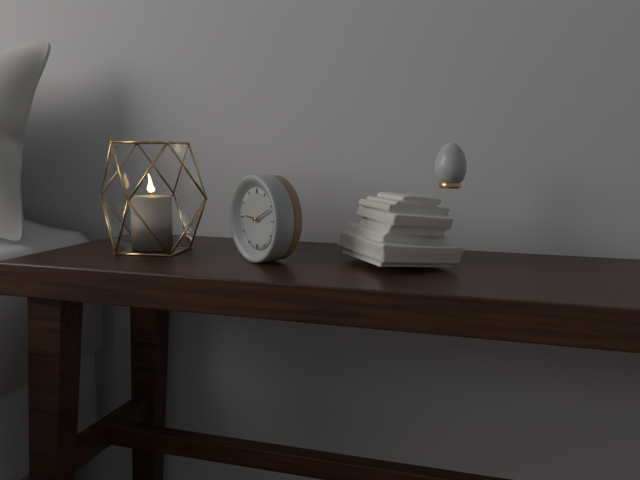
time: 9:11
